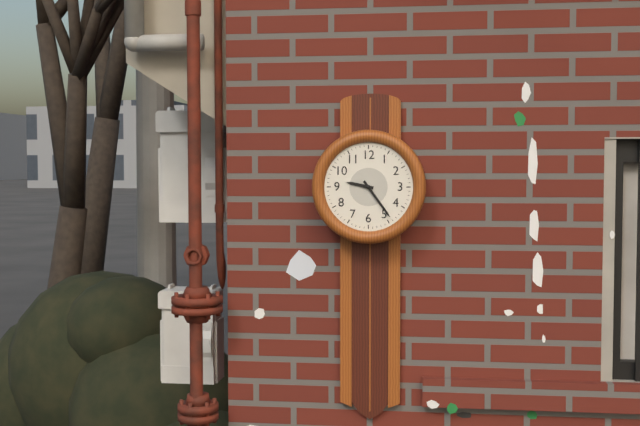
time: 9:24
